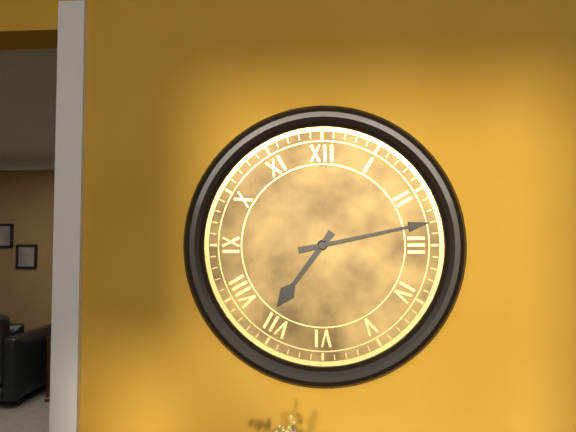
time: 7:13
